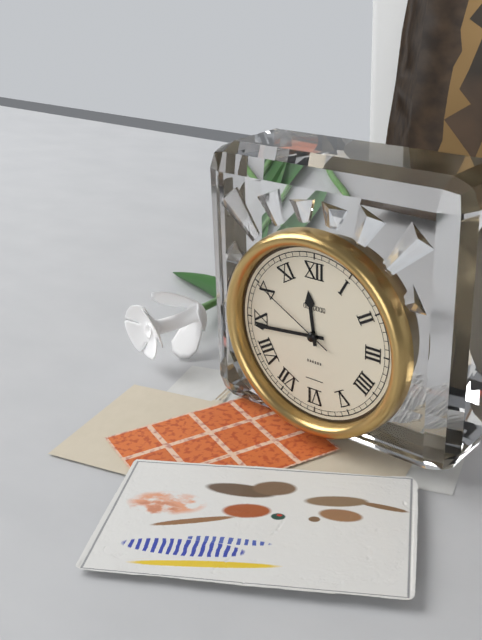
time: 11:44:50
